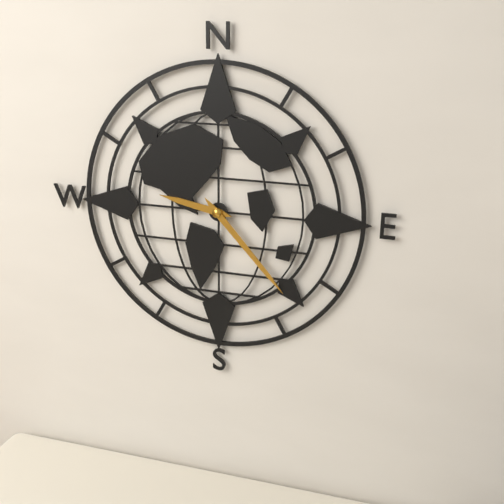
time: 9:23
